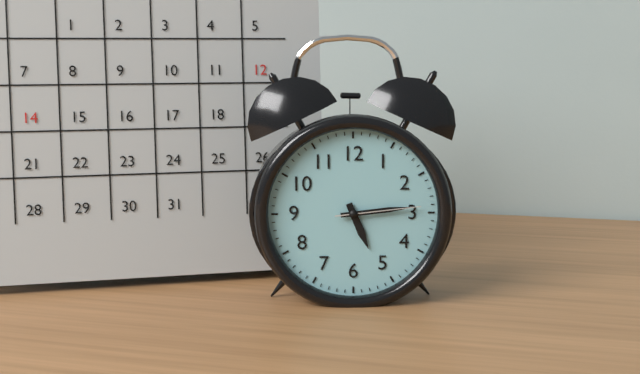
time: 5:14:14
